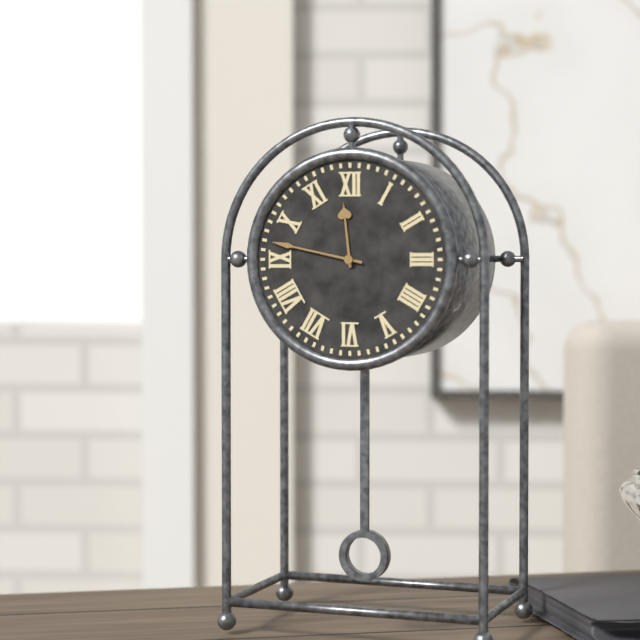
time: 11:47
